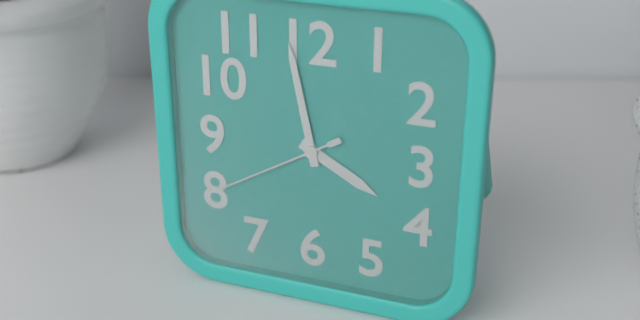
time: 3:58:40
